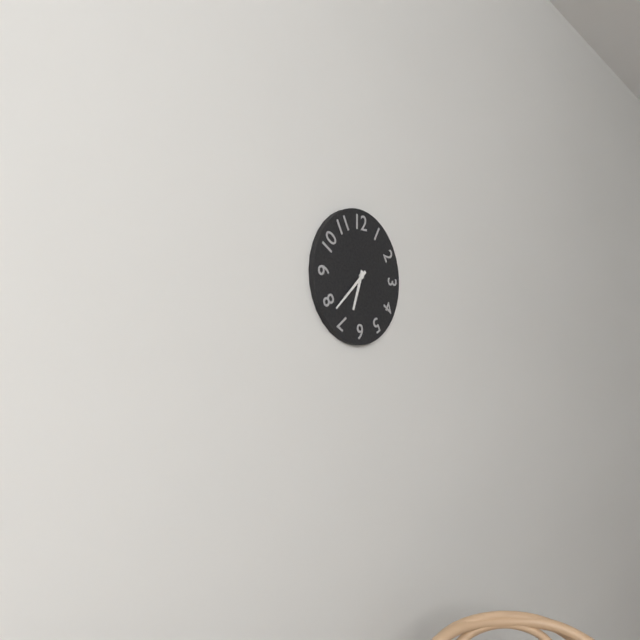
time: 6:38
